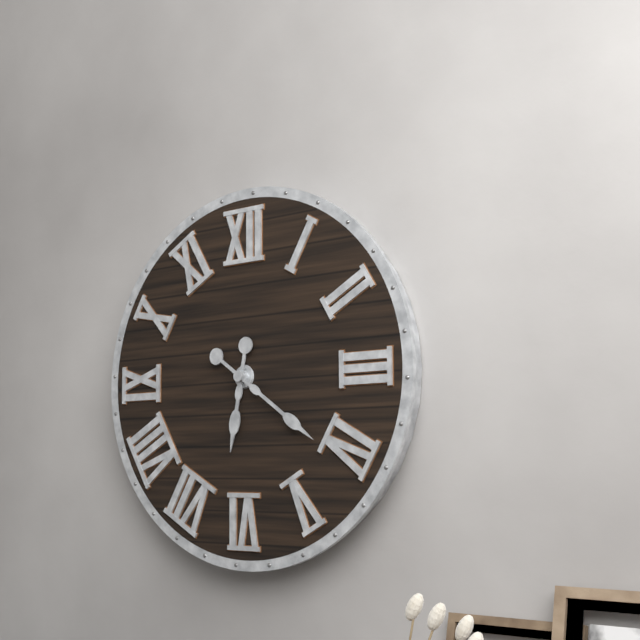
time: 6:21
